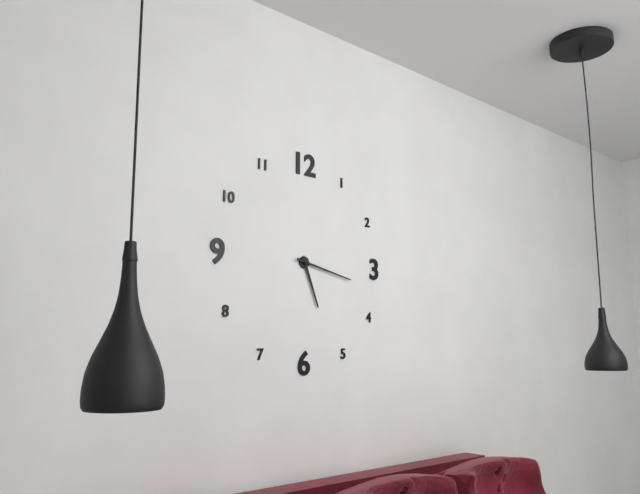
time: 5:17
